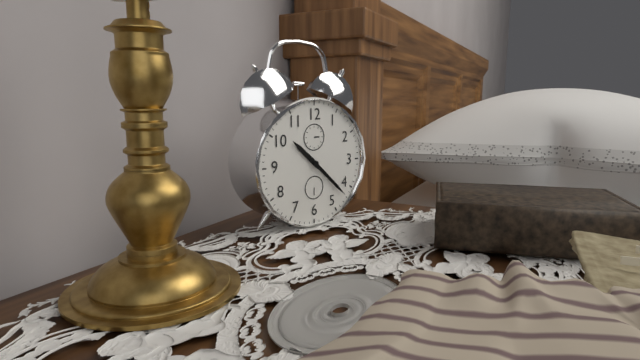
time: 10:22
